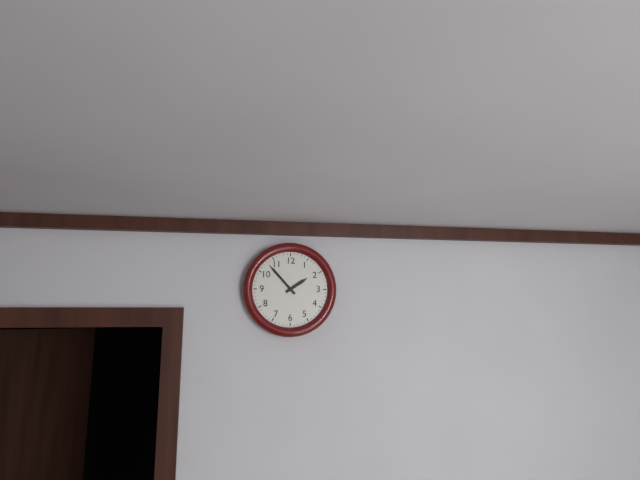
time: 1:53
